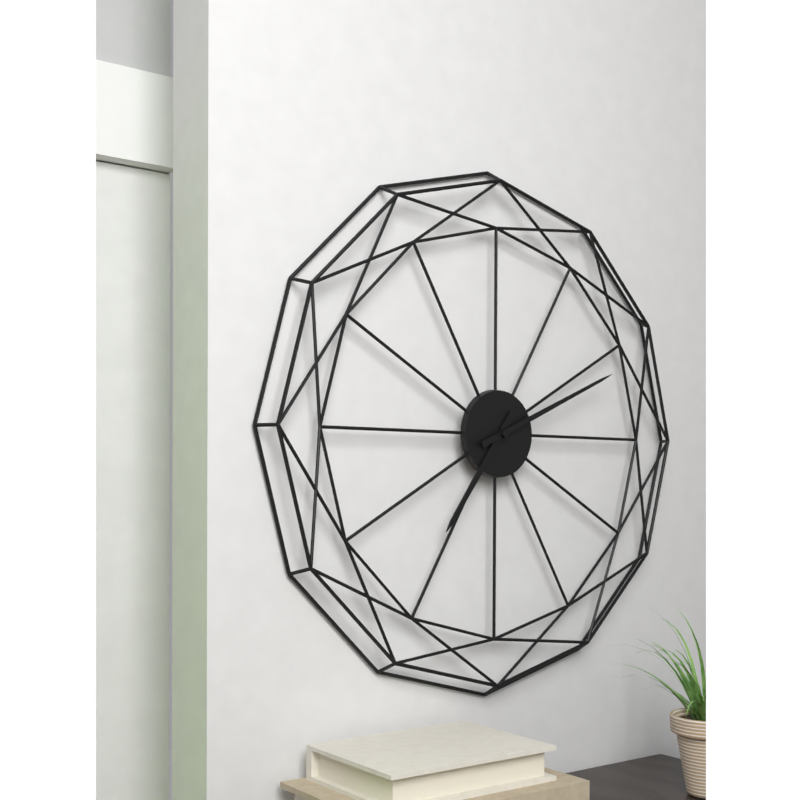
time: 7:11
